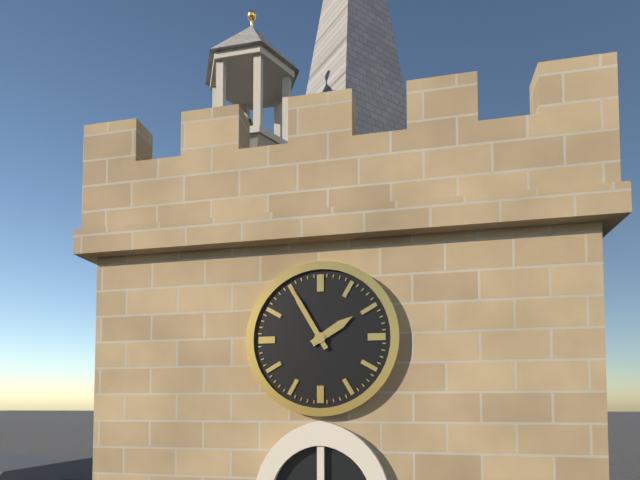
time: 1:55
